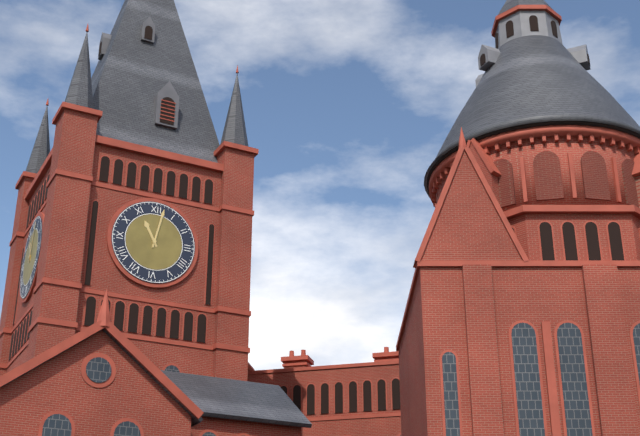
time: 11:02
